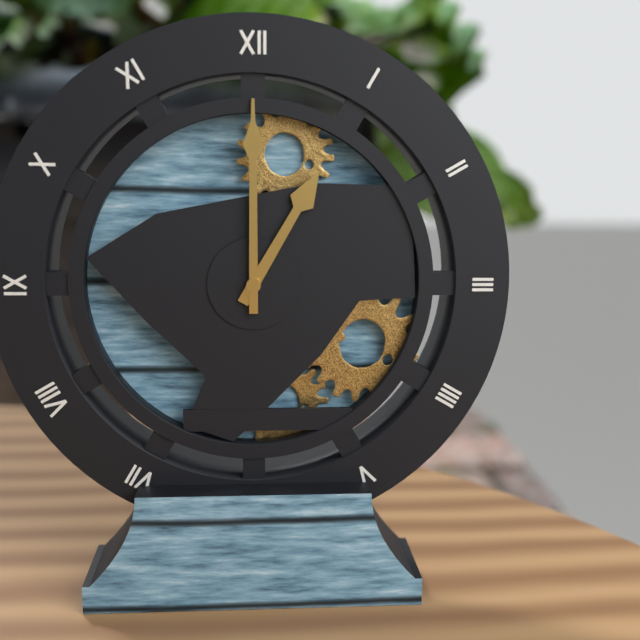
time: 1:00
